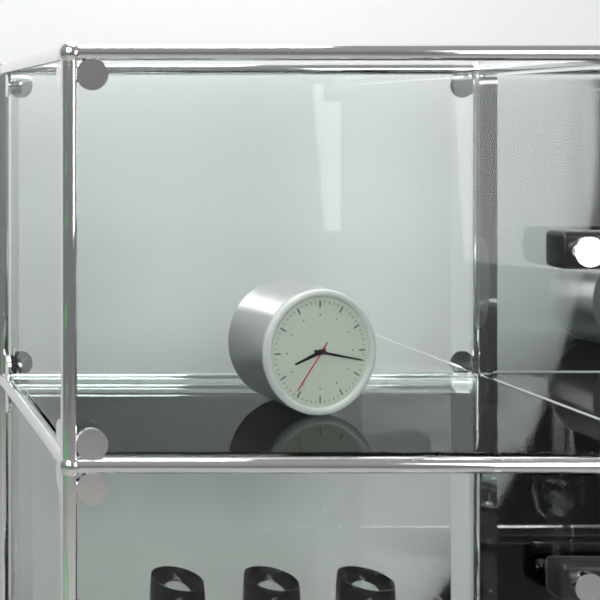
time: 8:17:36
